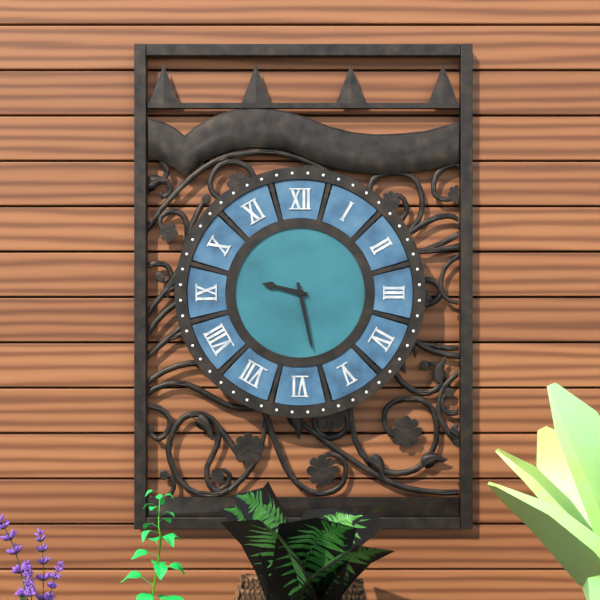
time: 9:28
